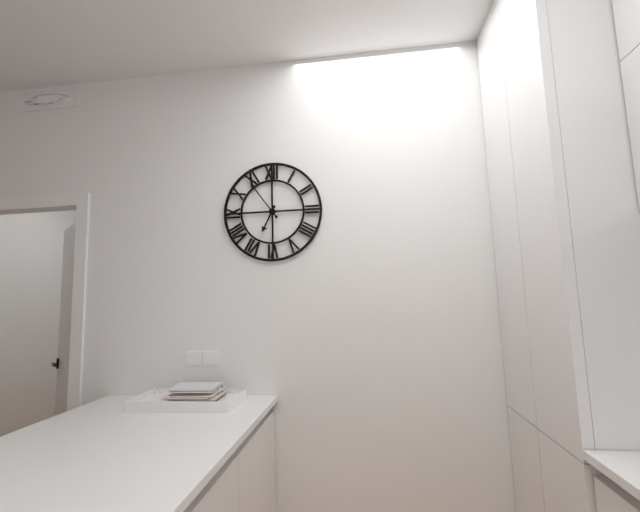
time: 6:54
